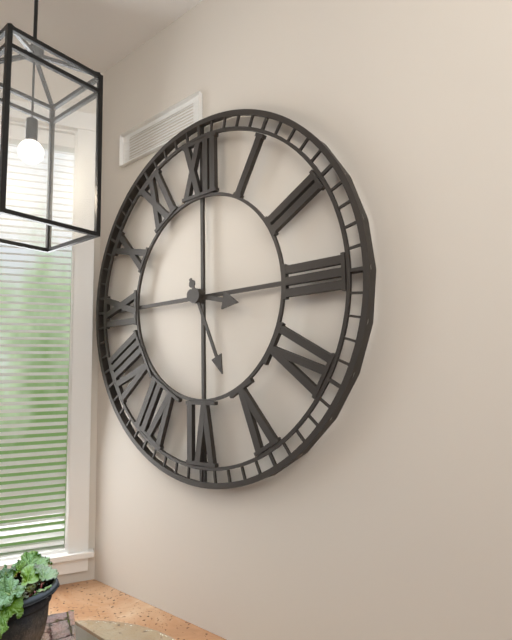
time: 3:26
